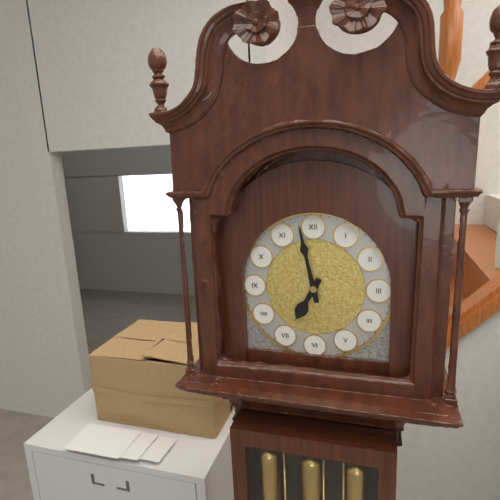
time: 6:58
